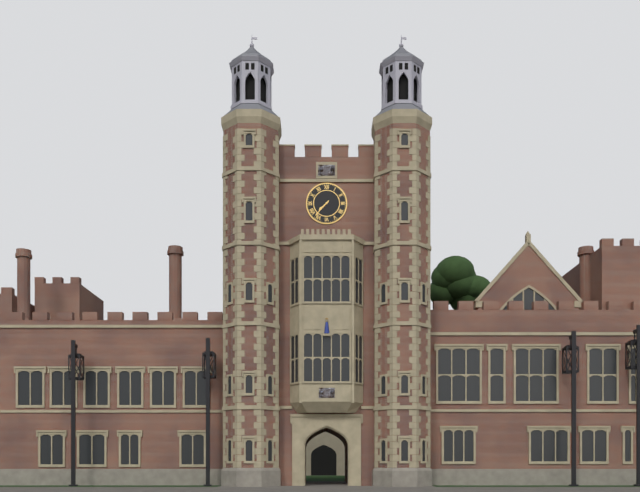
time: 7:37
